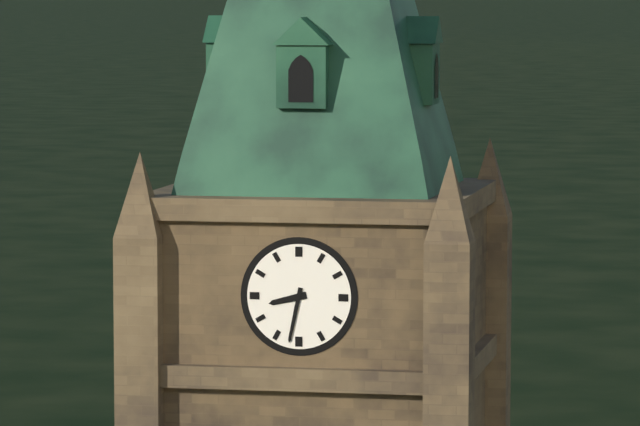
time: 8:32
